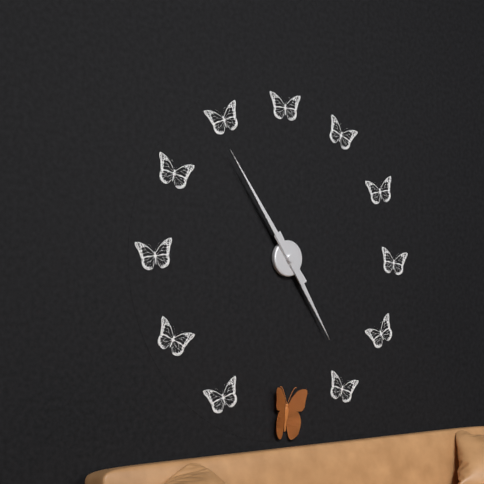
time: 4:54
